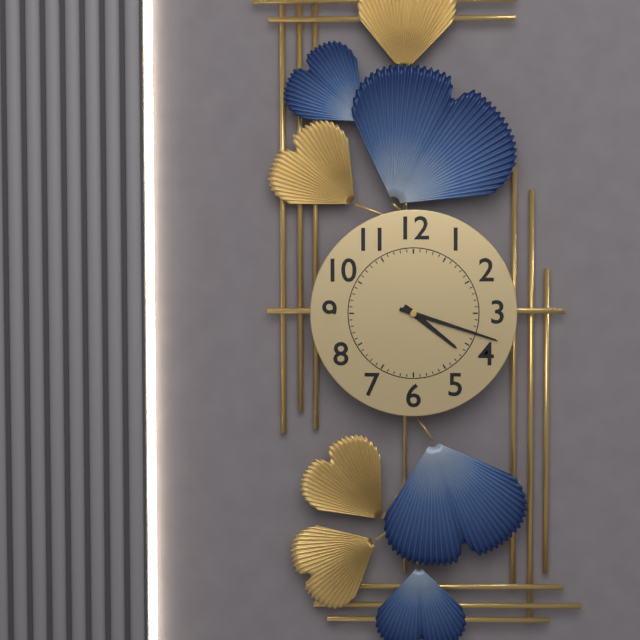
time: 4:18
